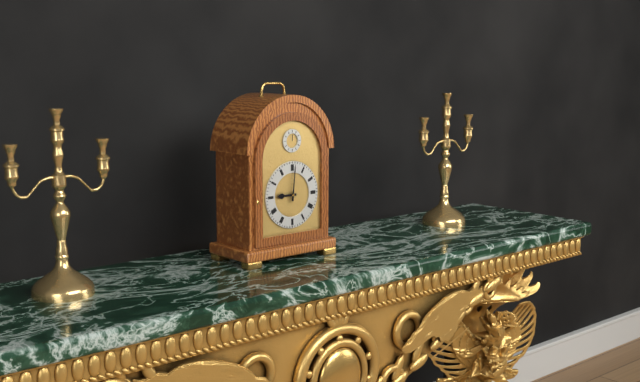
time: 9:01
